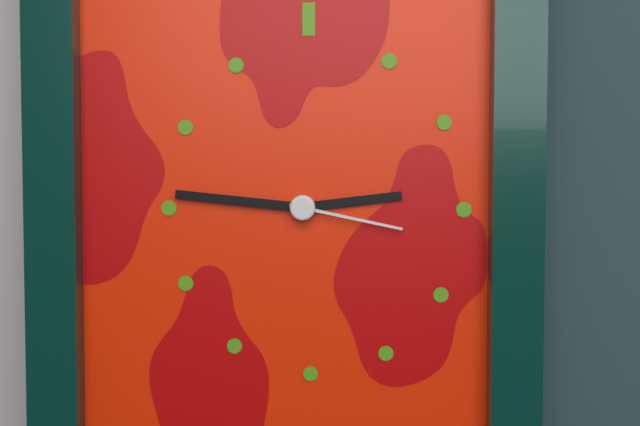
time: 2:46:17
